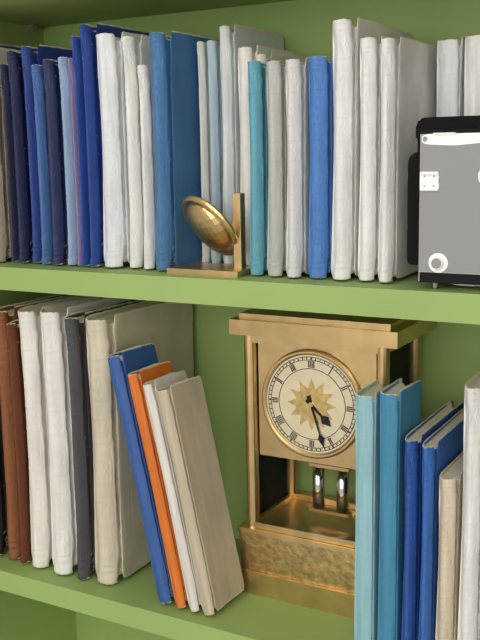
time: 4:27
